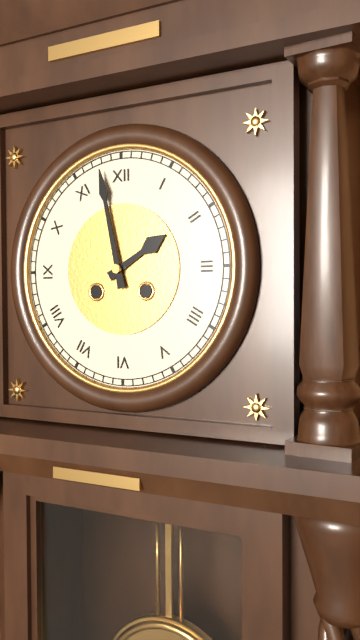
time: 1:58
